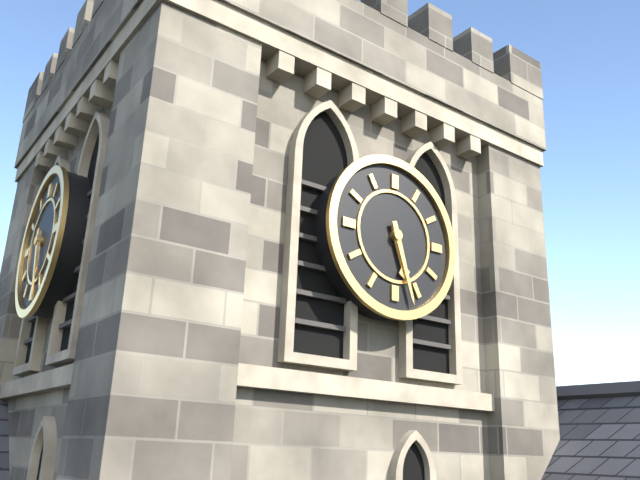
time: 5:27
